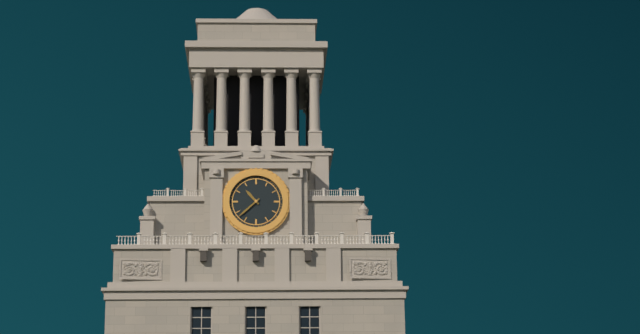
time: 10:38
